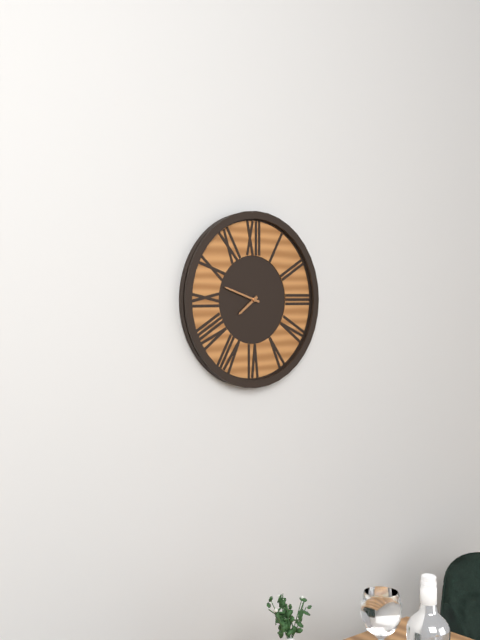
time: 7:48
